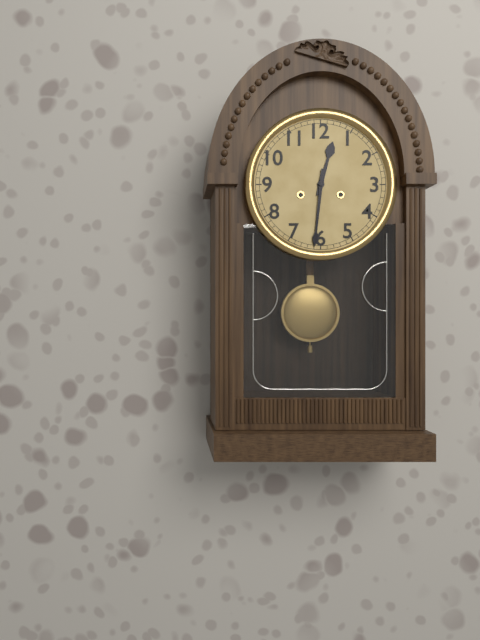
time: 12:31
